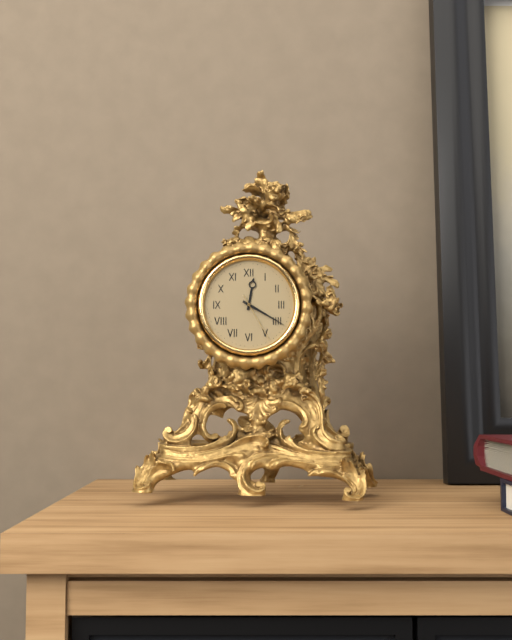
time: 12:20:25
